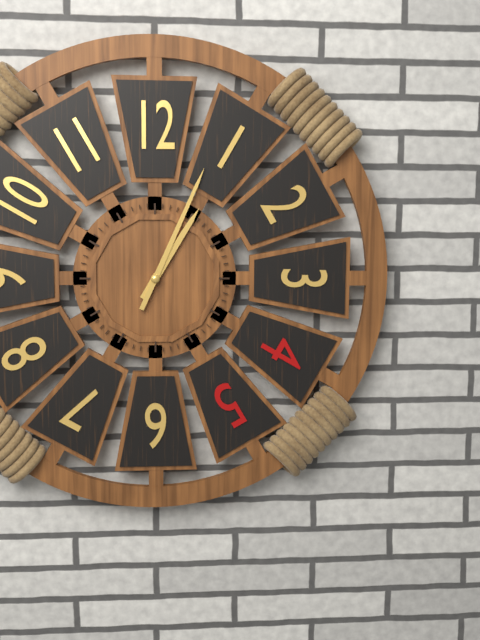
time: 1:04
